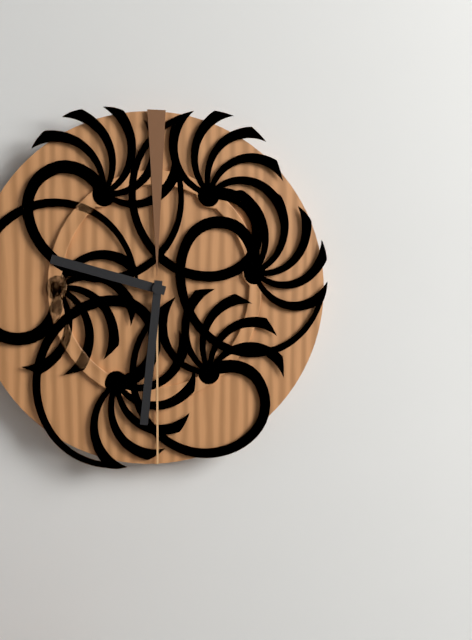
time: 9:31
